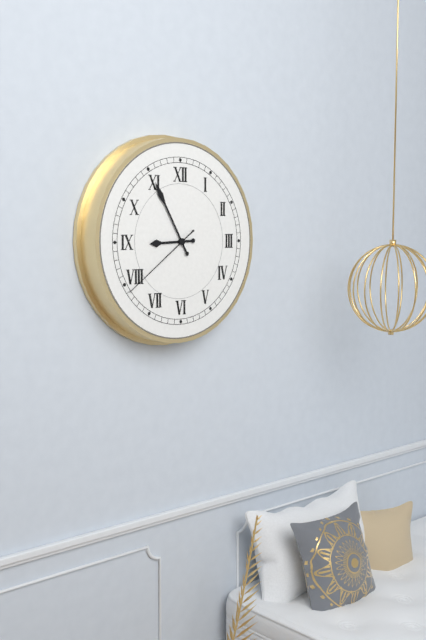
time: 8:55:39
